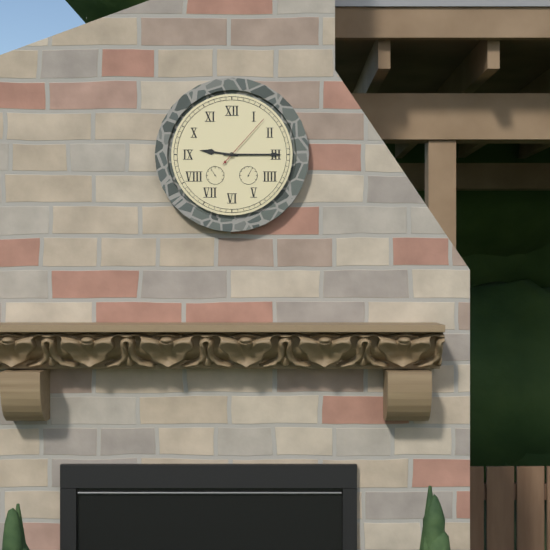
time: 9:15:07
